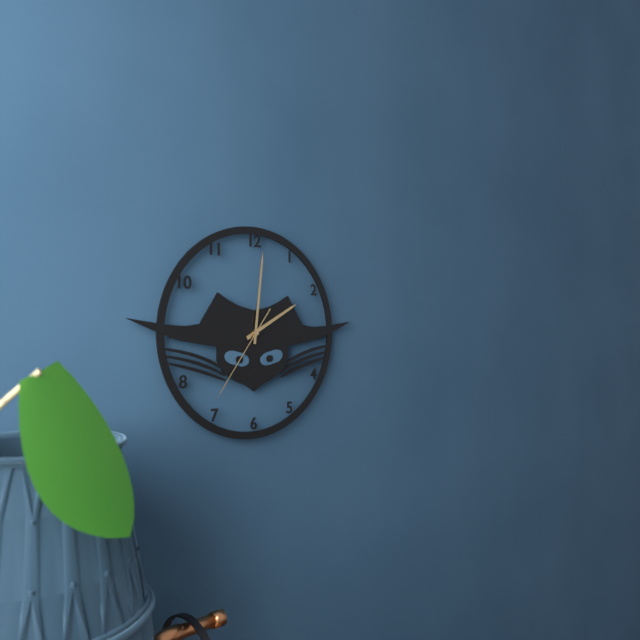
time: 2:01:36
